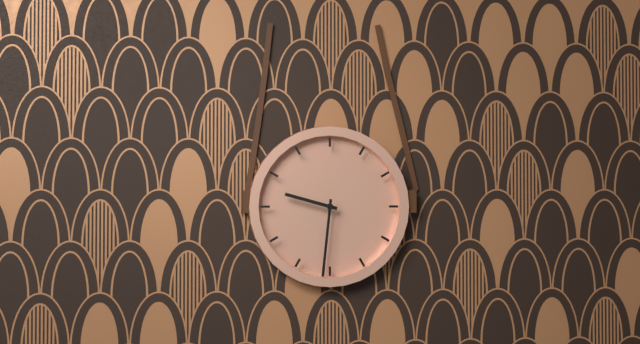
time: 9:31
